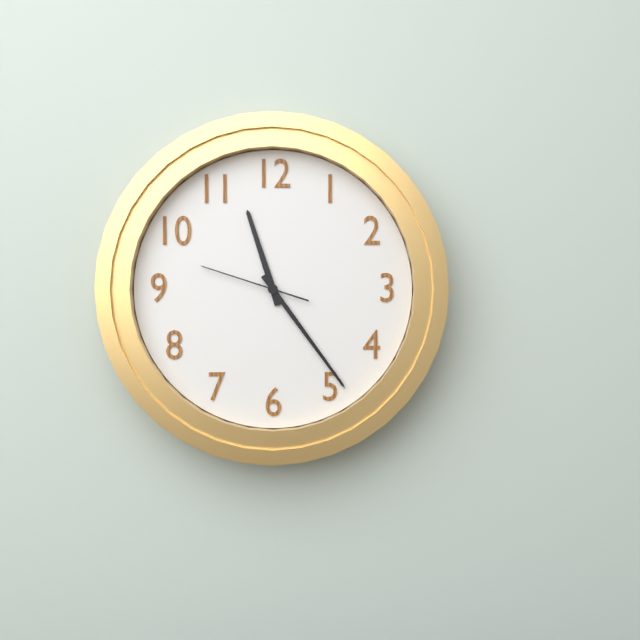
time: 11:24:48
